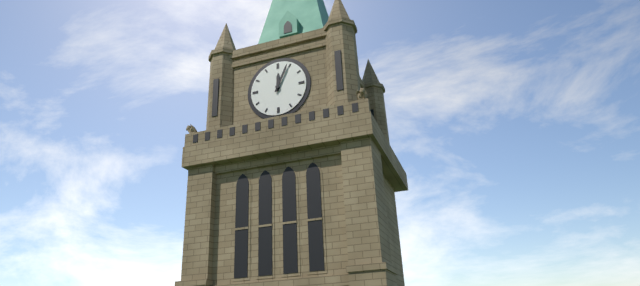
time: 12:04
